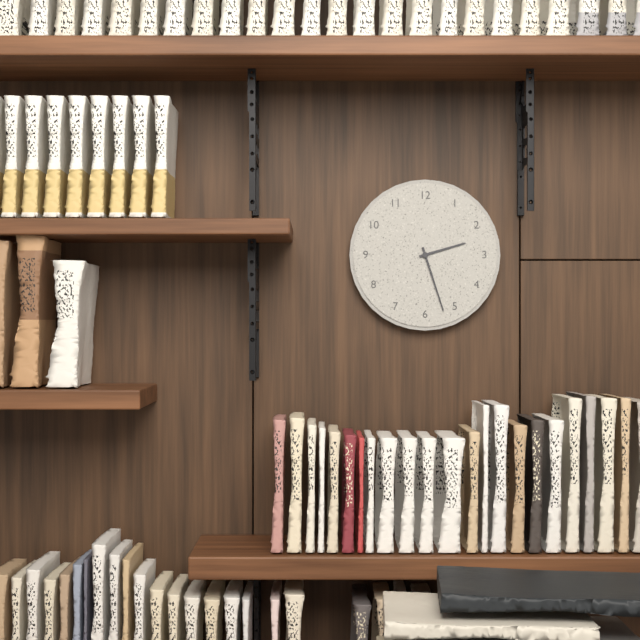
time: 2:27
